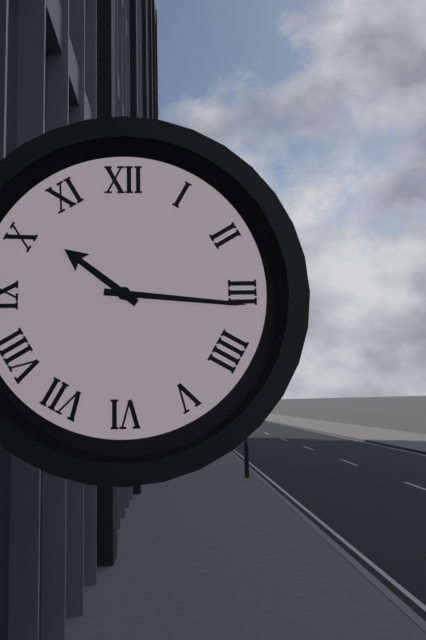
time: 10:16
